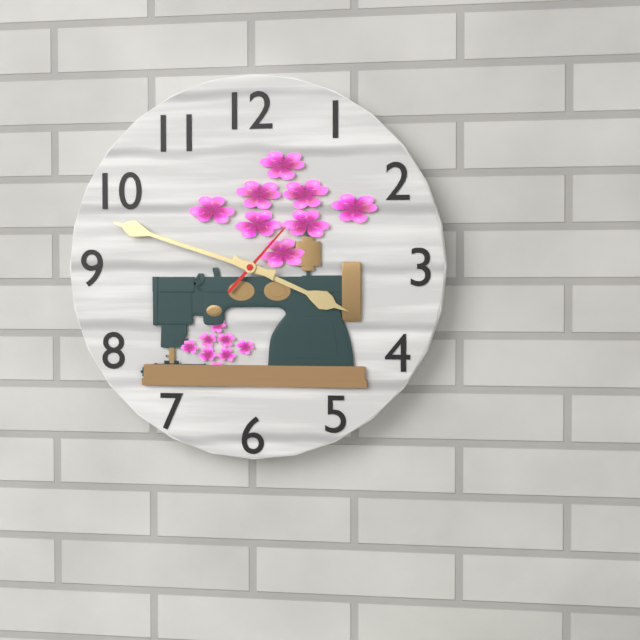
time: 3:48:07
